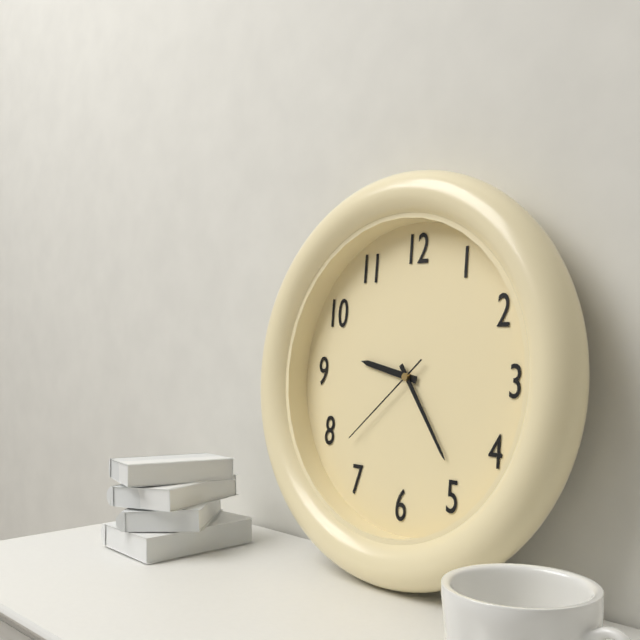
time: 9:24:38
